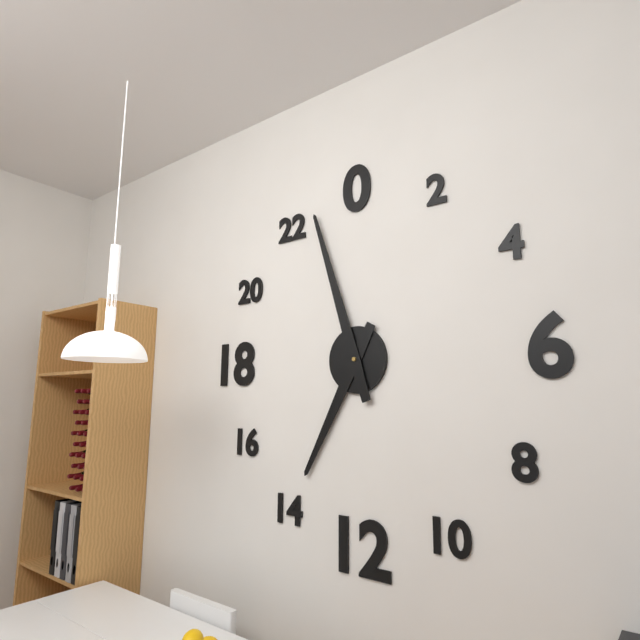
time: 6:57
